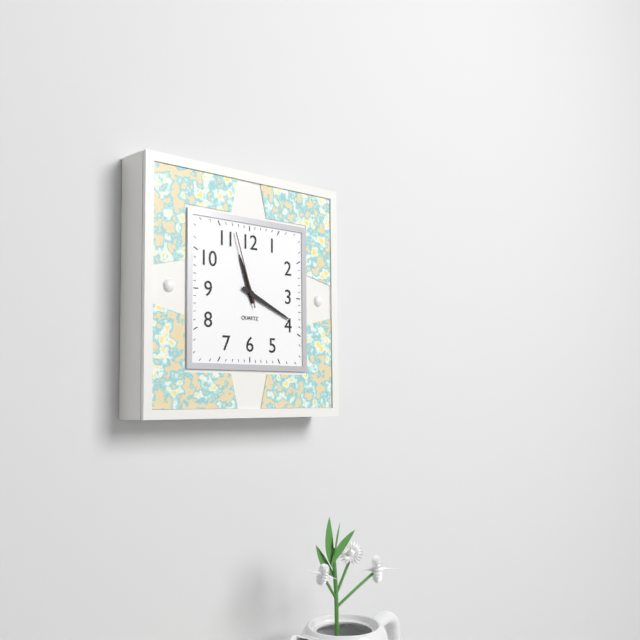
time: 11:19:57
